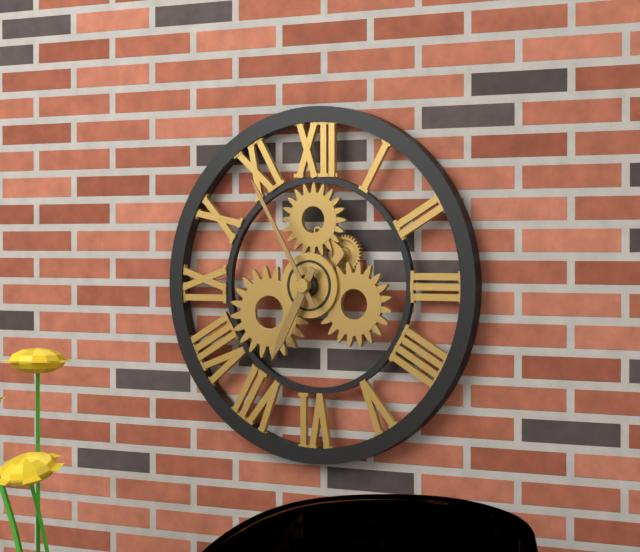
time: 6:55
